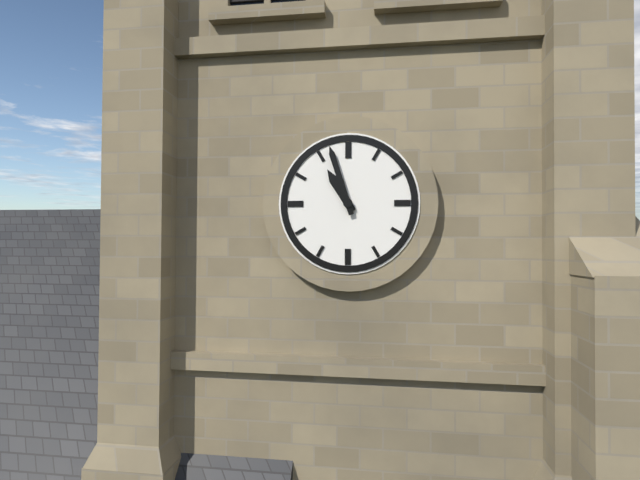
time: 10:57
